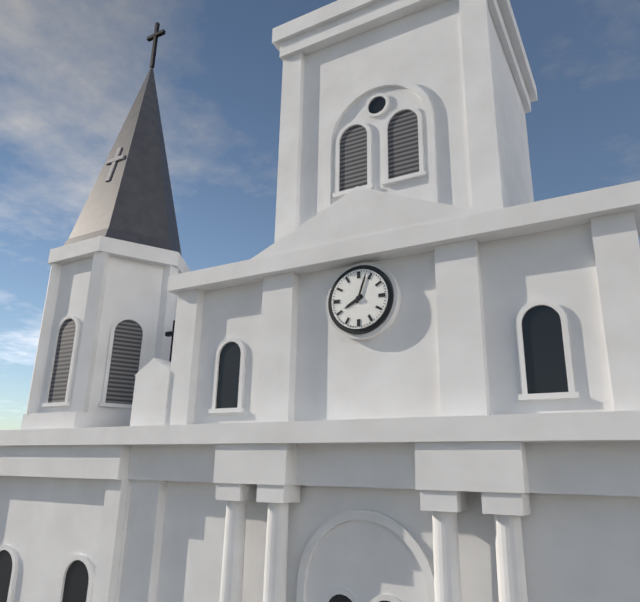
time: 8:03
